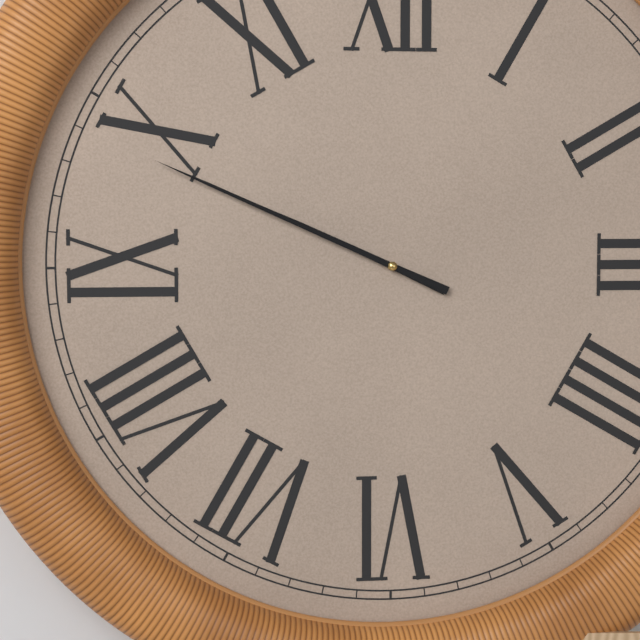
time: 9:49
